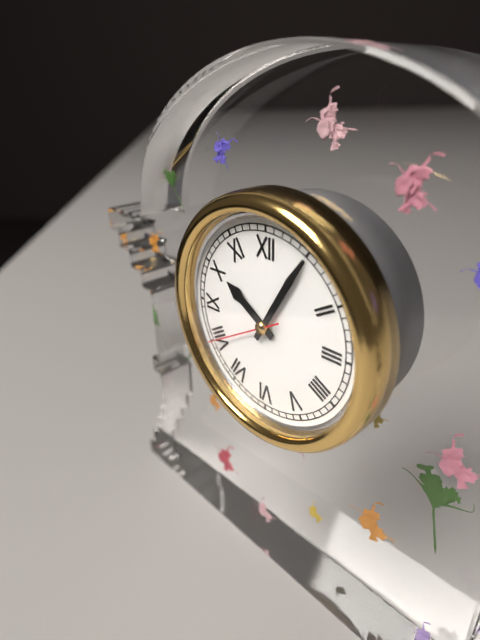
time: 10:05:40
